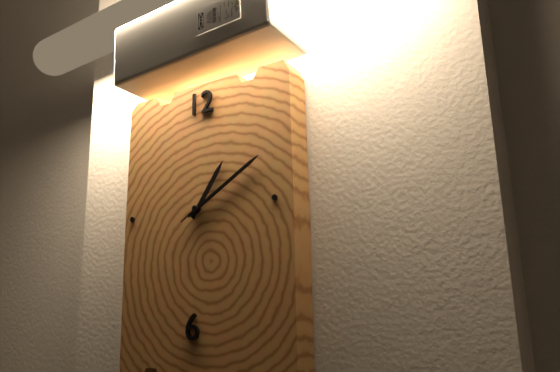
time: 1:10:10
